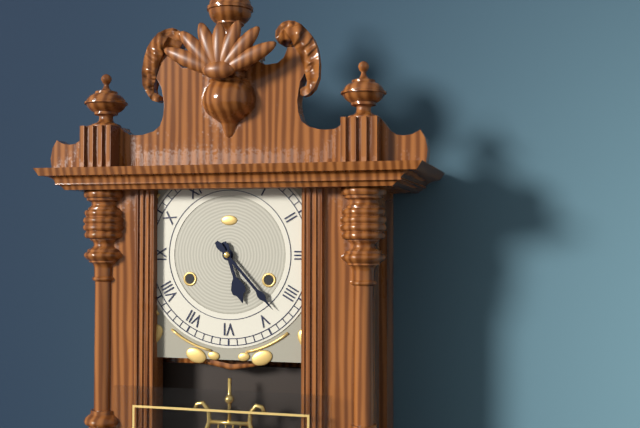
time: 5:23
